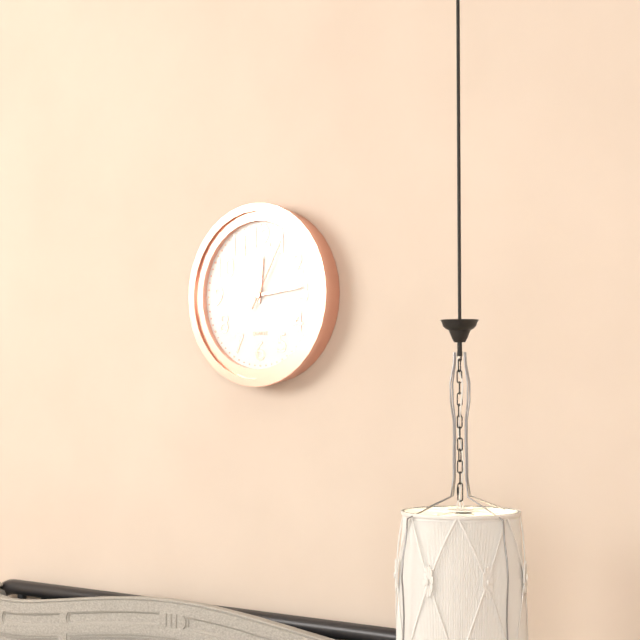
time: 12:14:05
